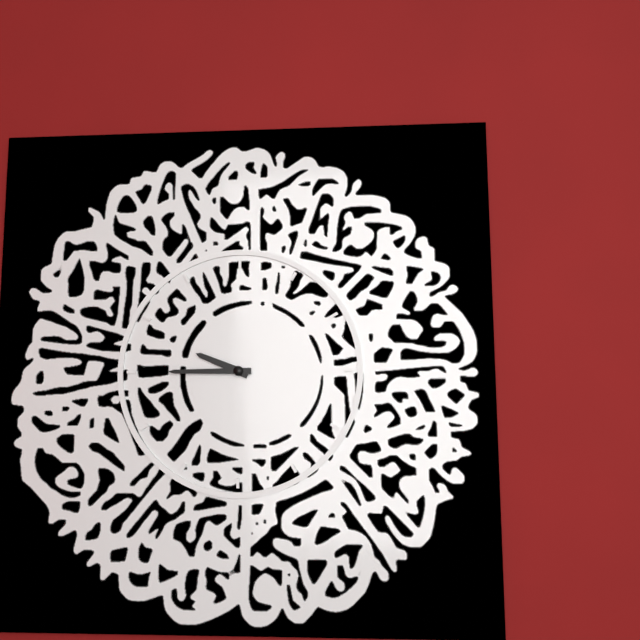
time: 9:45
